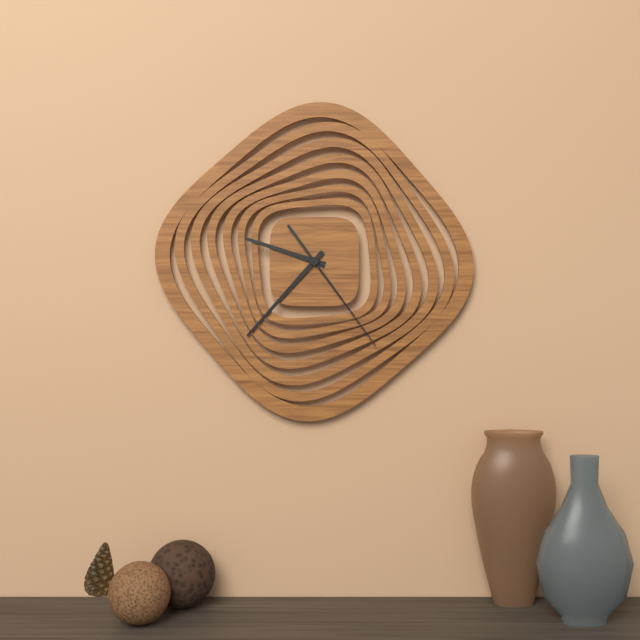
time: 9:37:24
